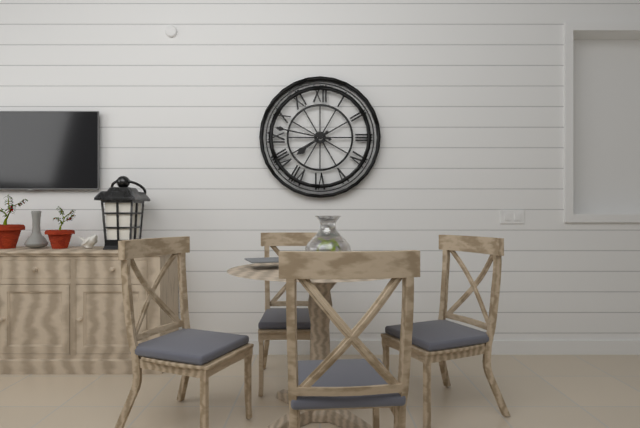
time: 7:47
